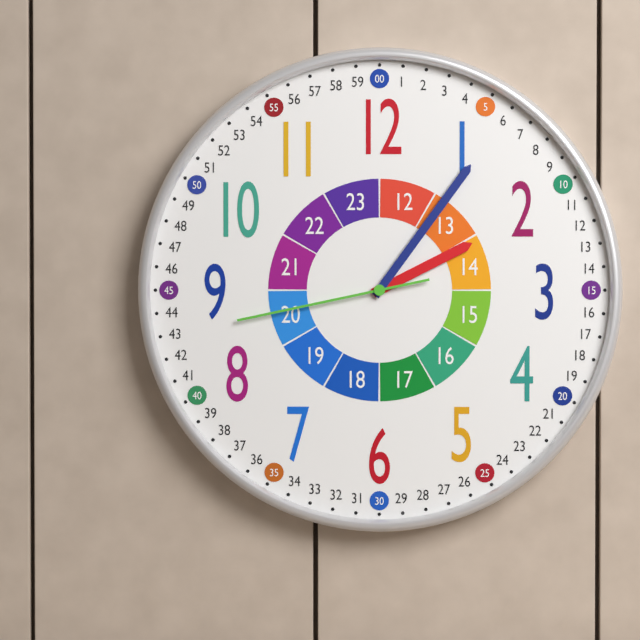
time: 2:06:43
